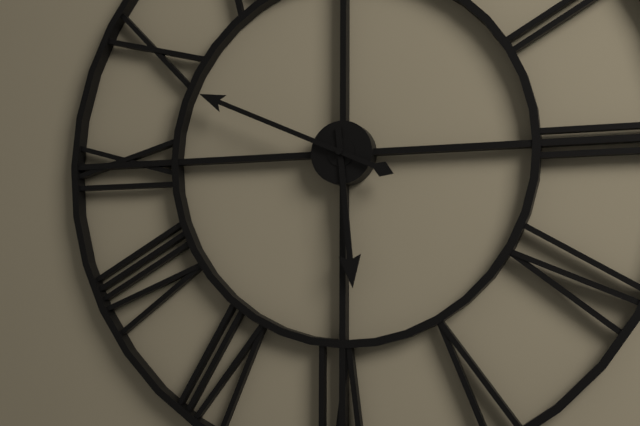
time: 5:49
